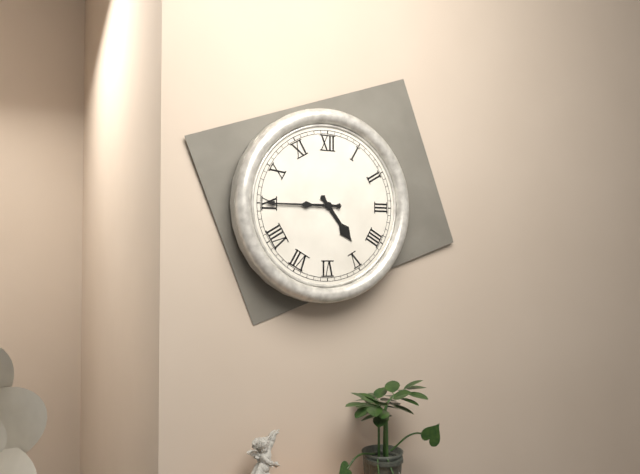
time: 4:45
